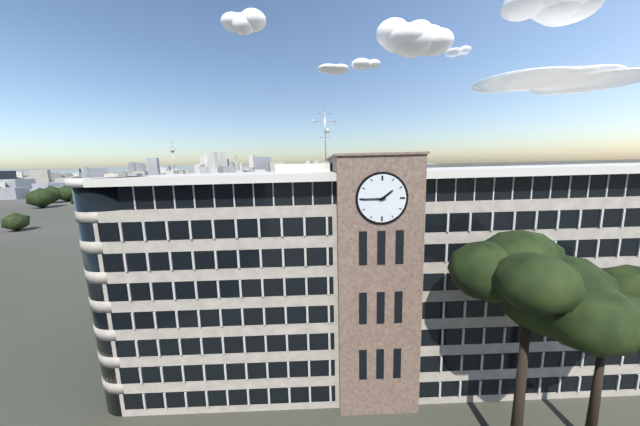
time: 1:45
